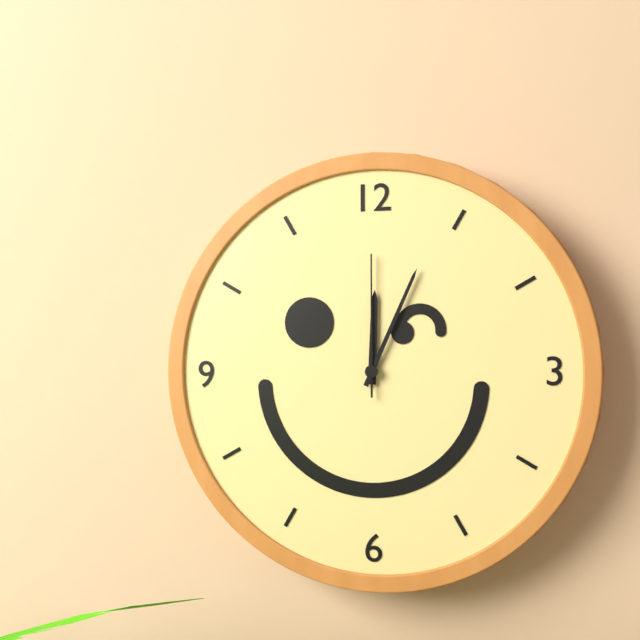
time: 12:04:00
